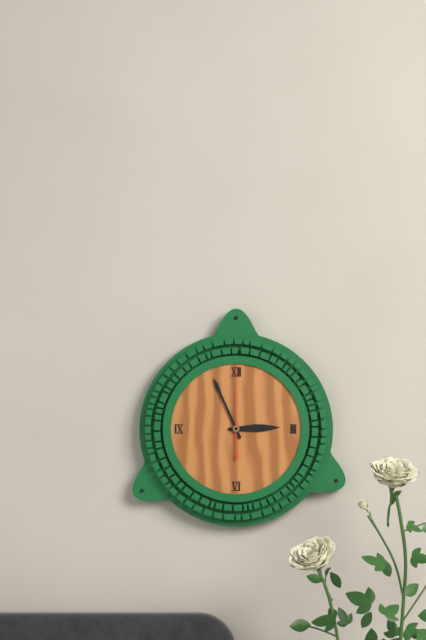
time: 2:56:00
